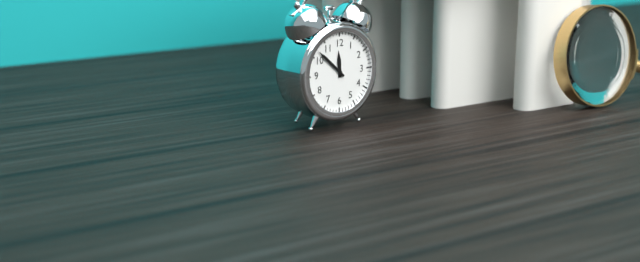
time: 11:52
